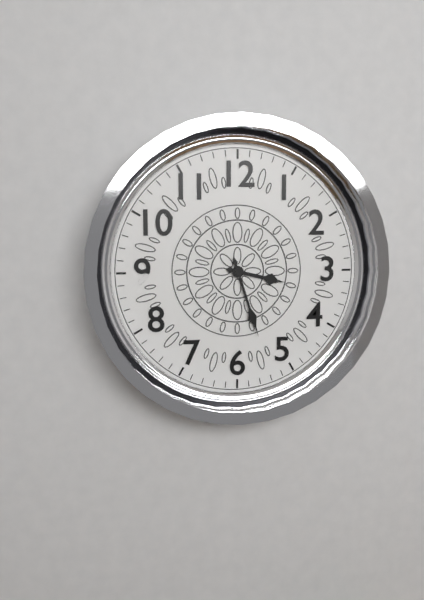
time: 3:27
